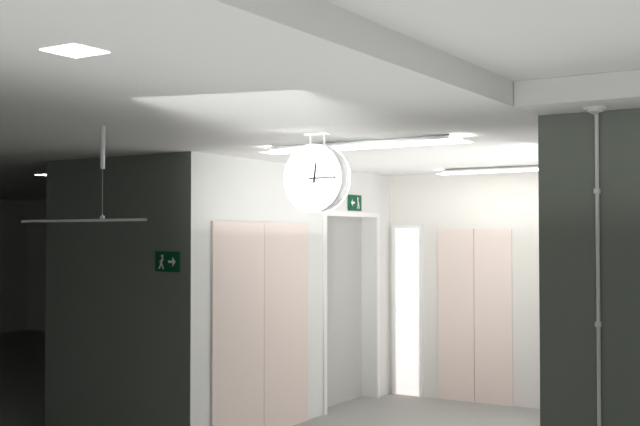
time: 12:15
